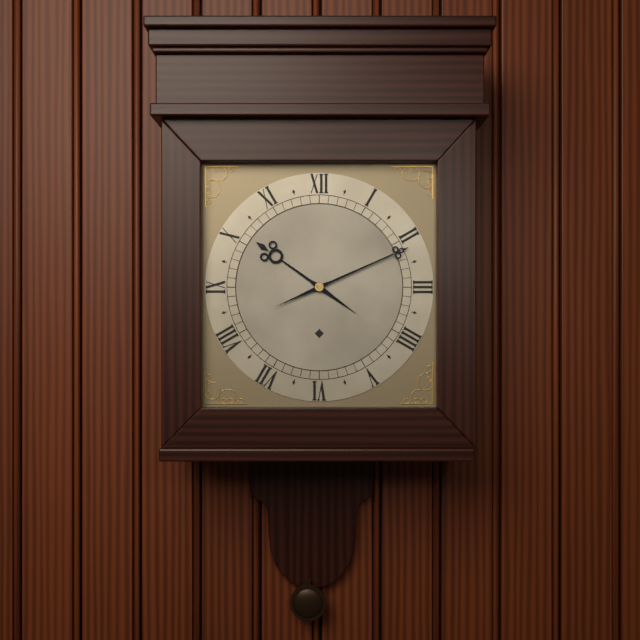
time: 10:11
